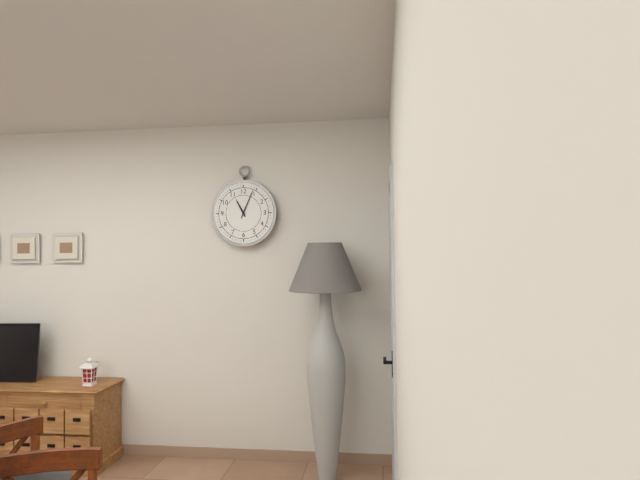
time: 11:04
